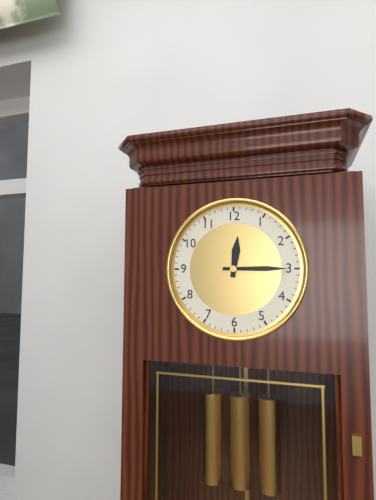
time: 12:15
